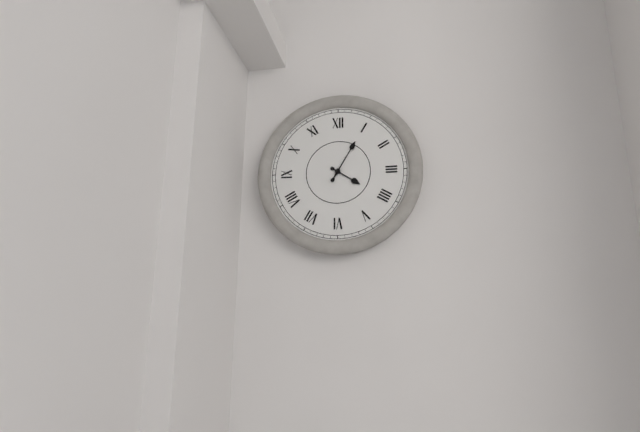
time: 4:05
